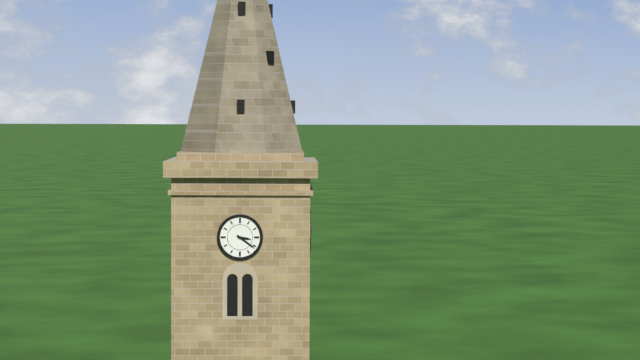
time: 3:21
